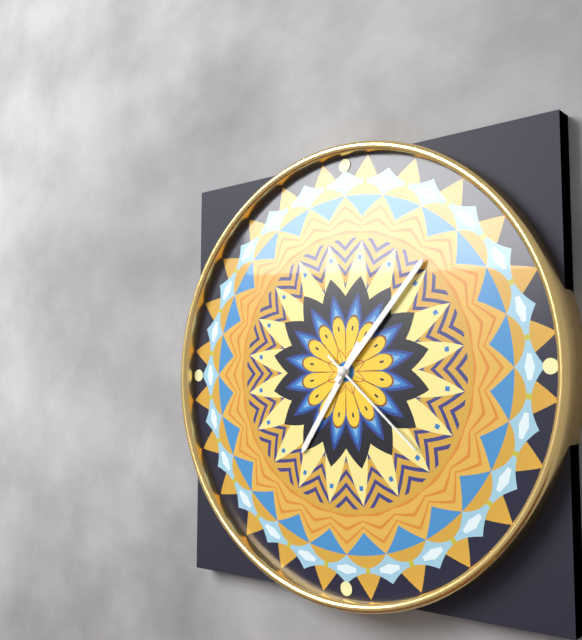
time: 7:07:22
